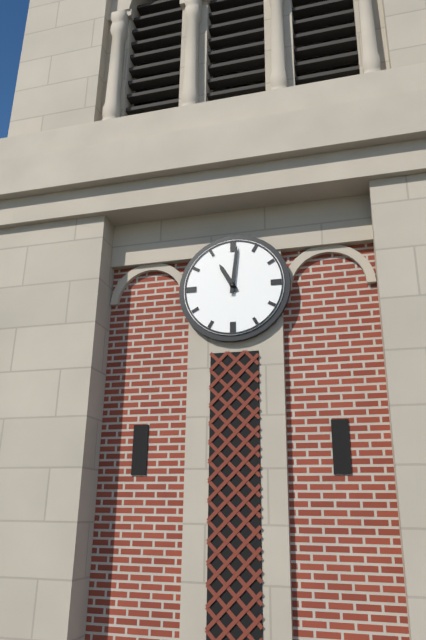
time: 11:01
